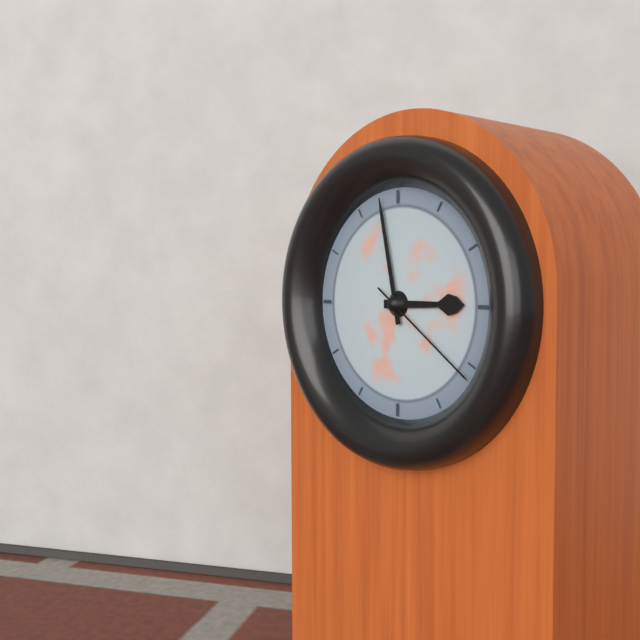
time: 2:58:21
